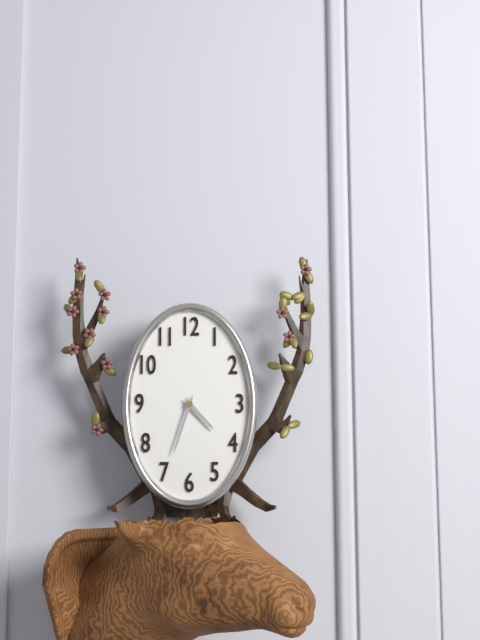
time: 4:33
